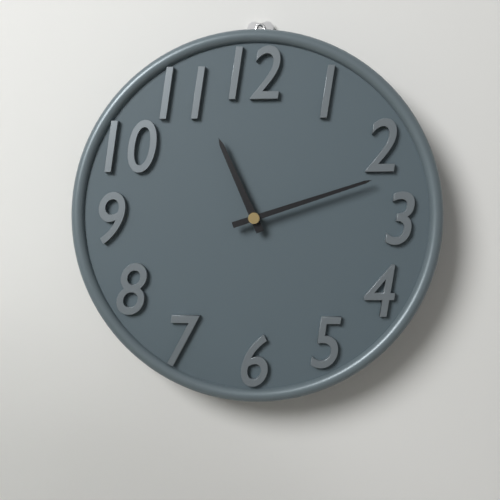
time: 11:12
